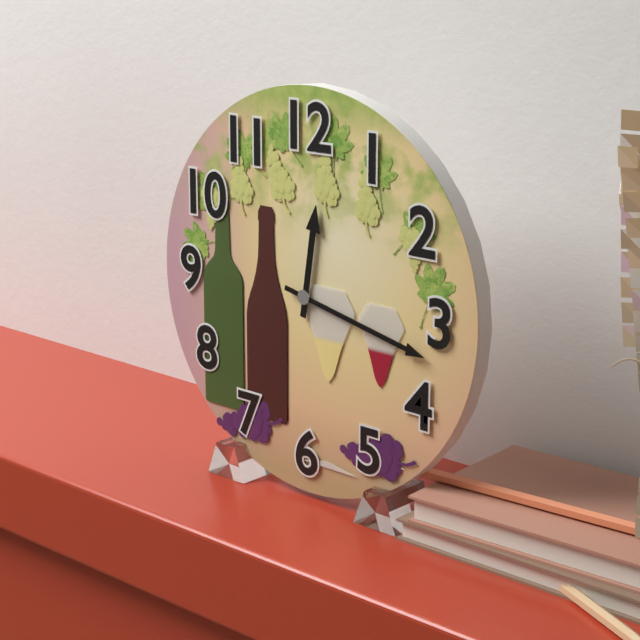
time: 12:17
